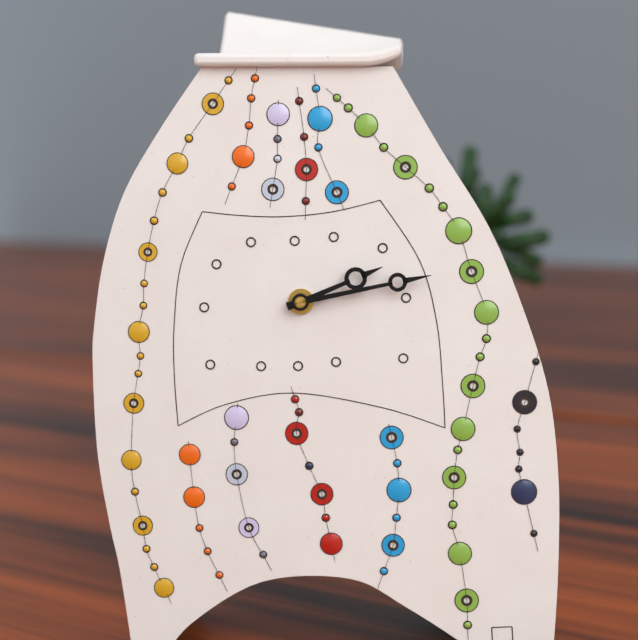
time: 2:13
